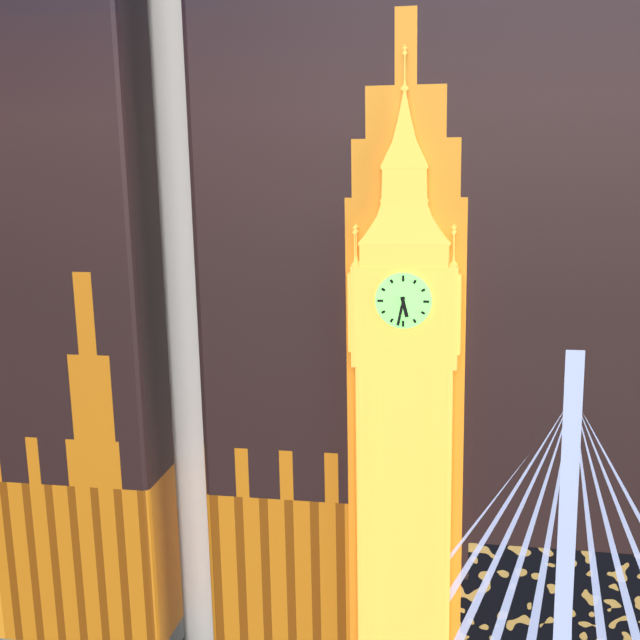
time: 5:32
